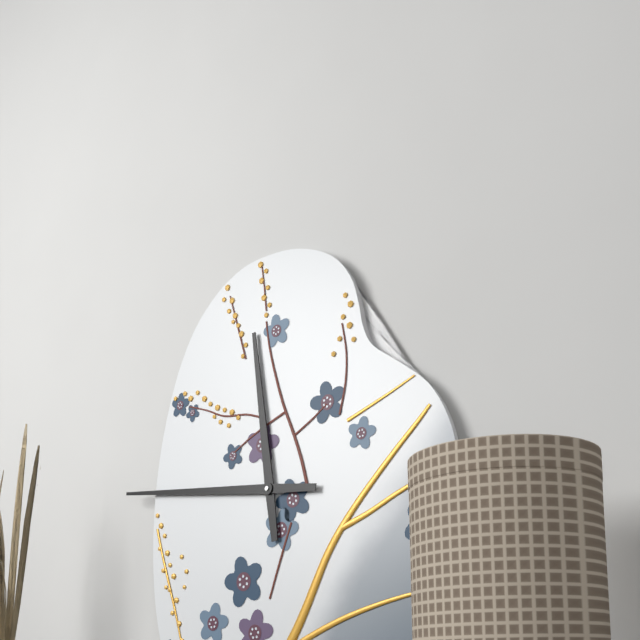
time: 11:46
